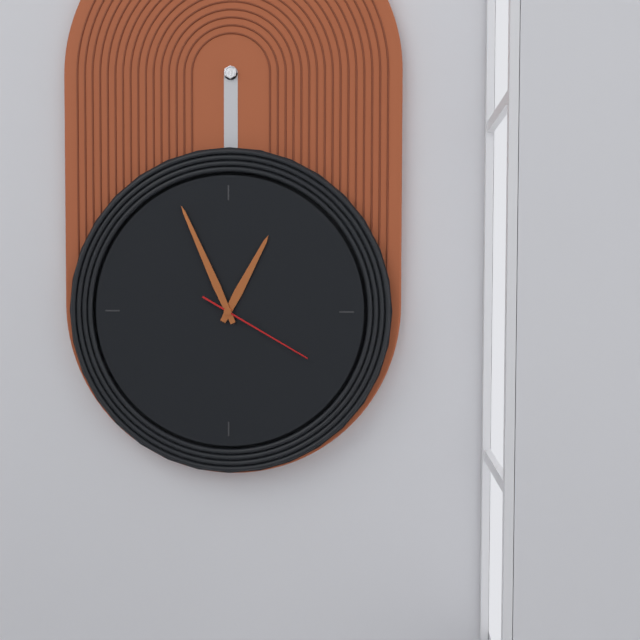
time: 12:56:20
